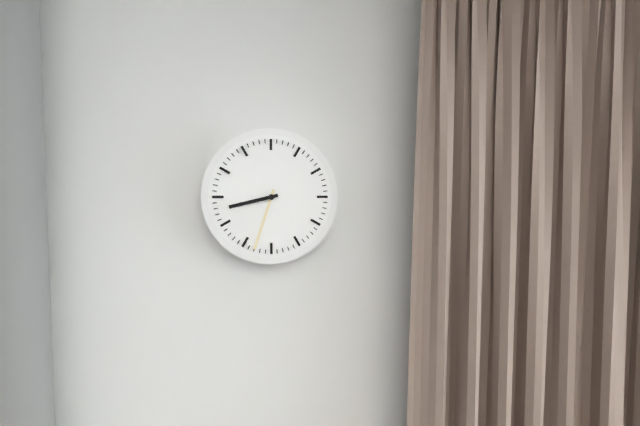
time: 8:33
